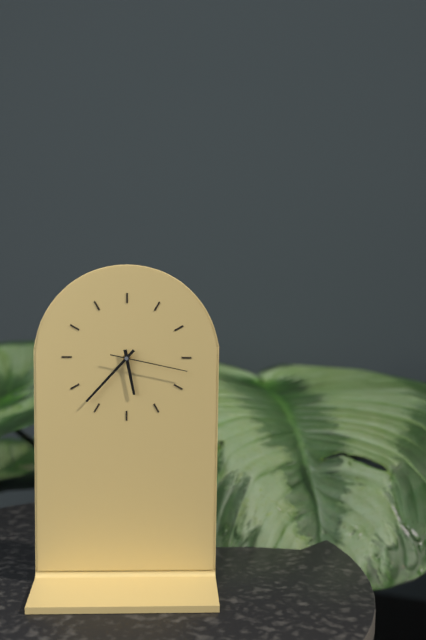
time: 5:37:17
